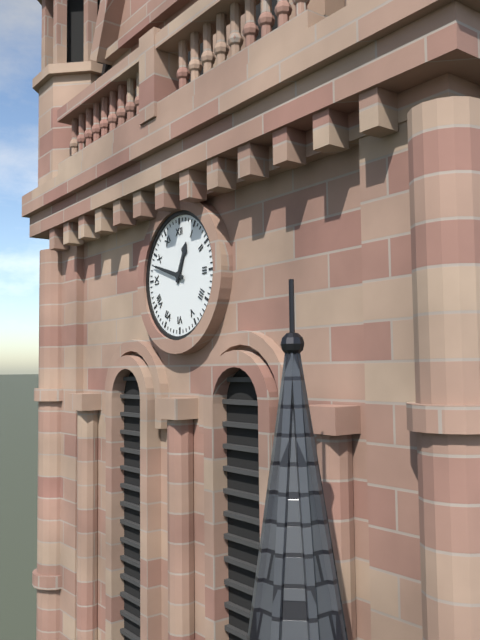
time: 12:48
